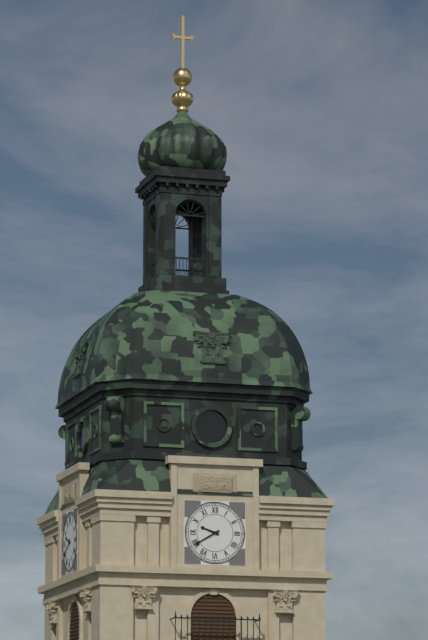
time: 9:40
